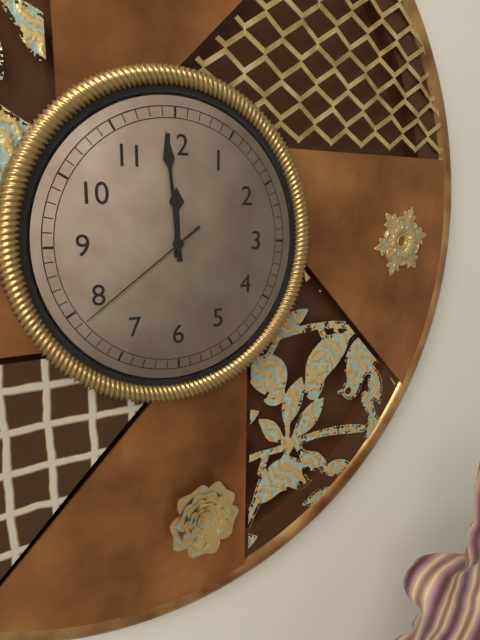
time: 11:59:39
